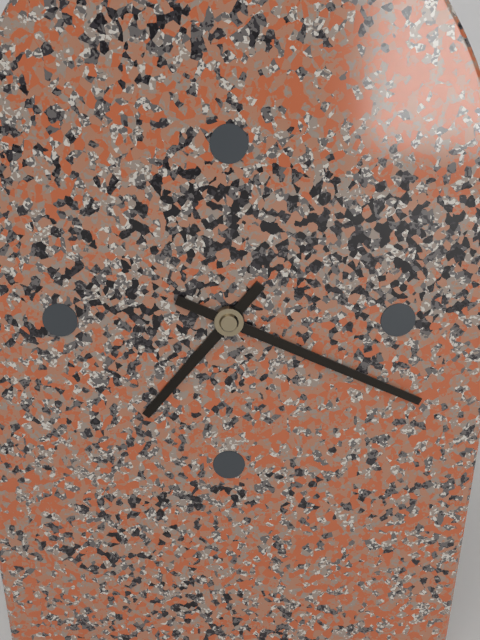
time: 7:19
